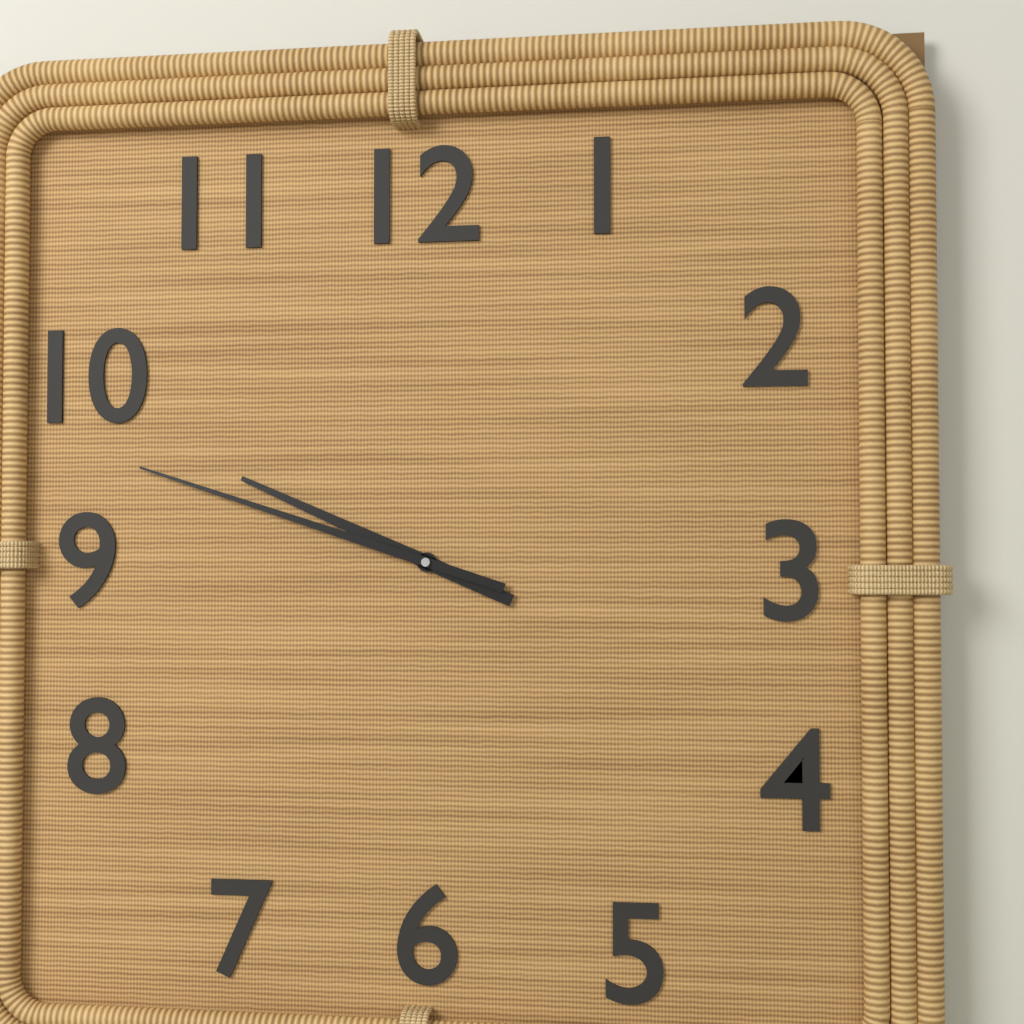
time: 9:48
